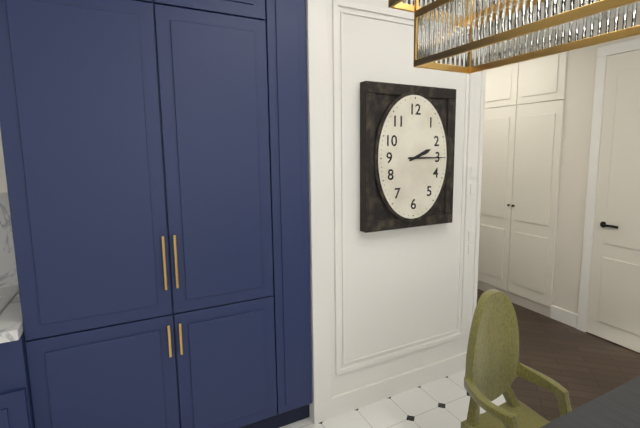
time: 2:15
